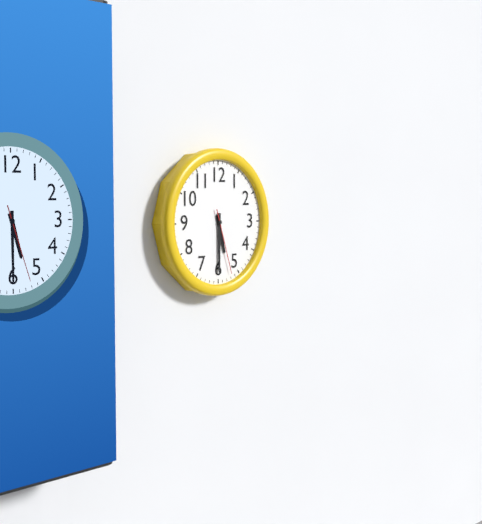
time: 5:30:27
